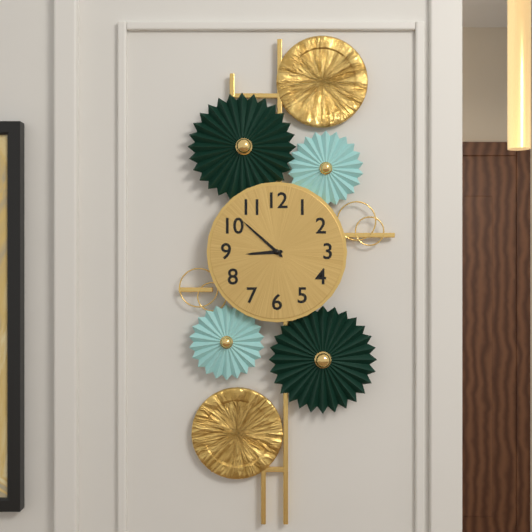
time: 8:52
